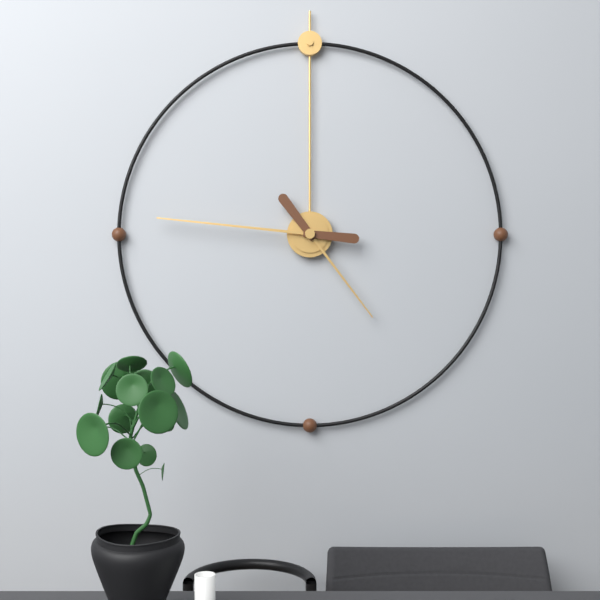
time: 4:46
